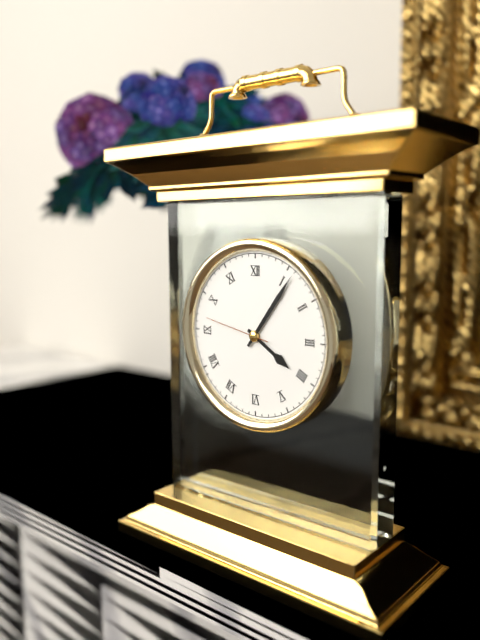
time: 4:06:47
